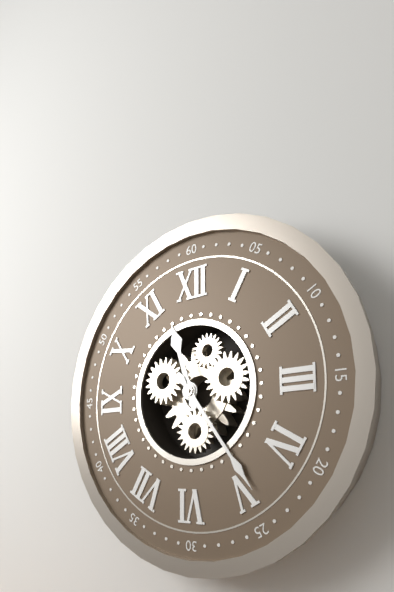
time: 11:24
